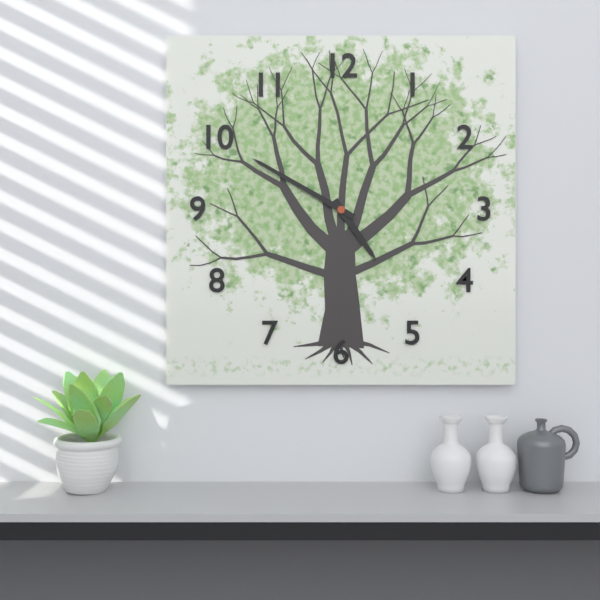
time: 4:50
